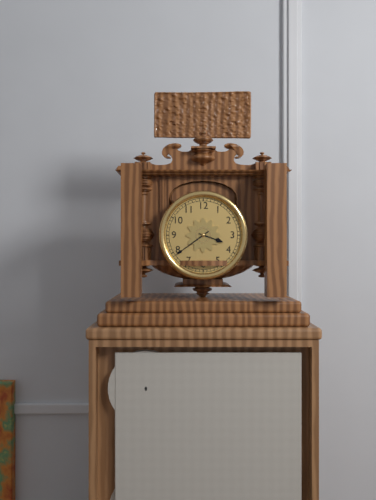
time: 3:39
